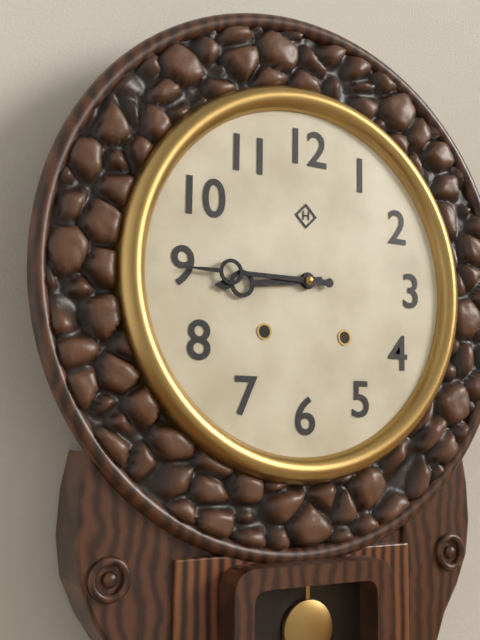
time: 8:45
